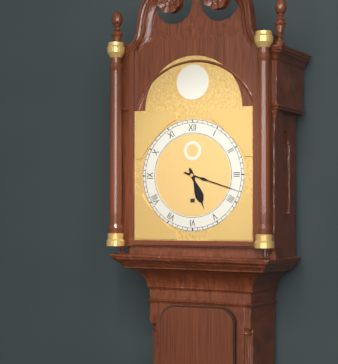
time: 5:18
